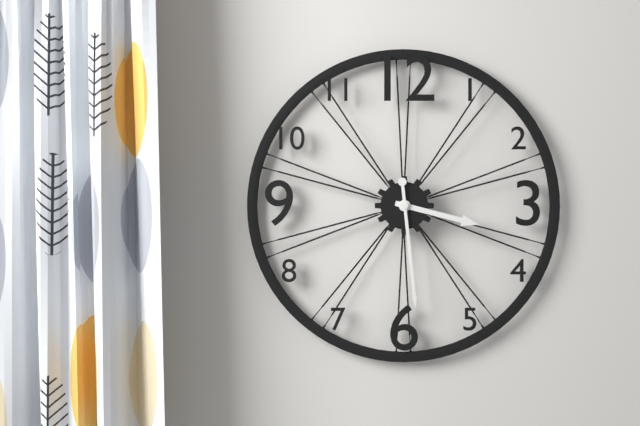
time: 3:29
